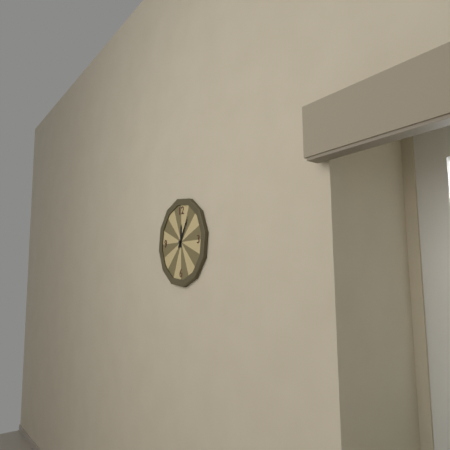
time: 12:05
